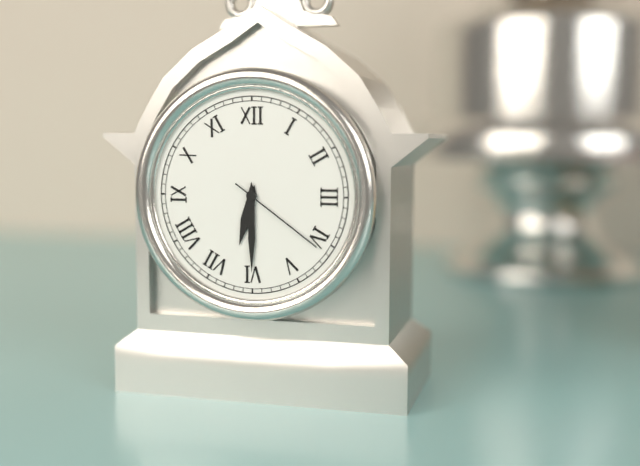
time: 6:30:21
